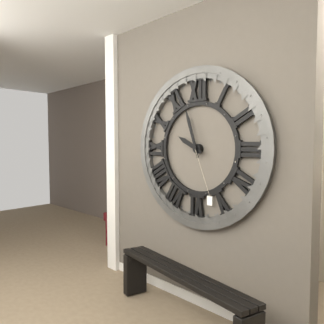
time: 9:57
